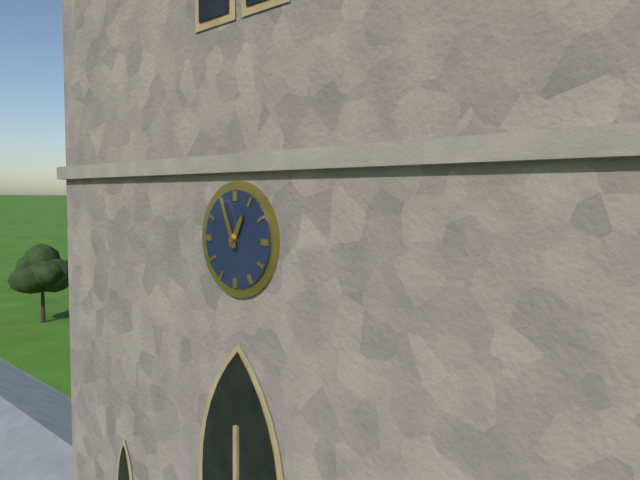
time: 12:56
